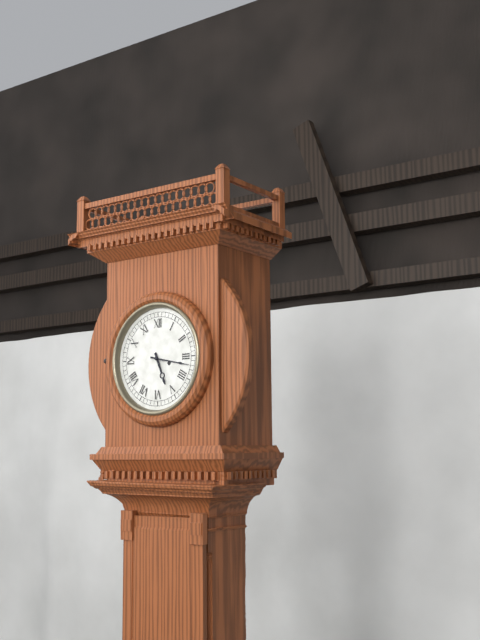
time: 5:17
